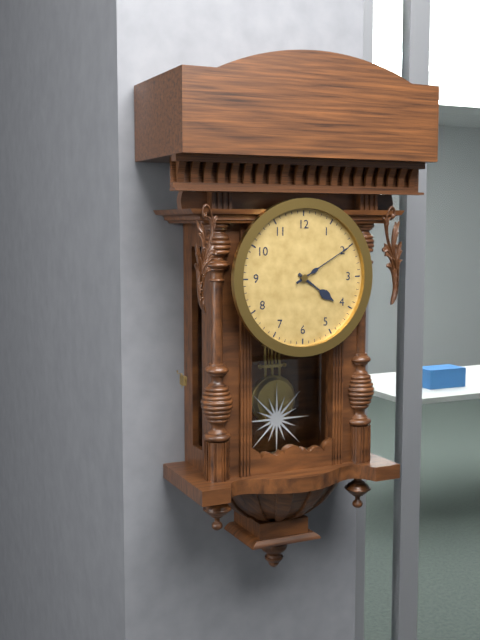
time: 4:10
